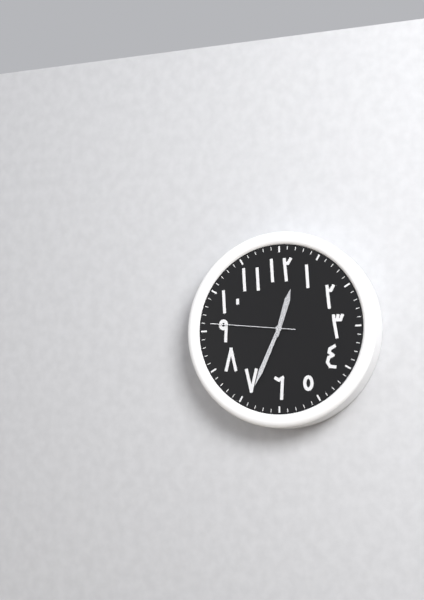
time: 12:34:46
